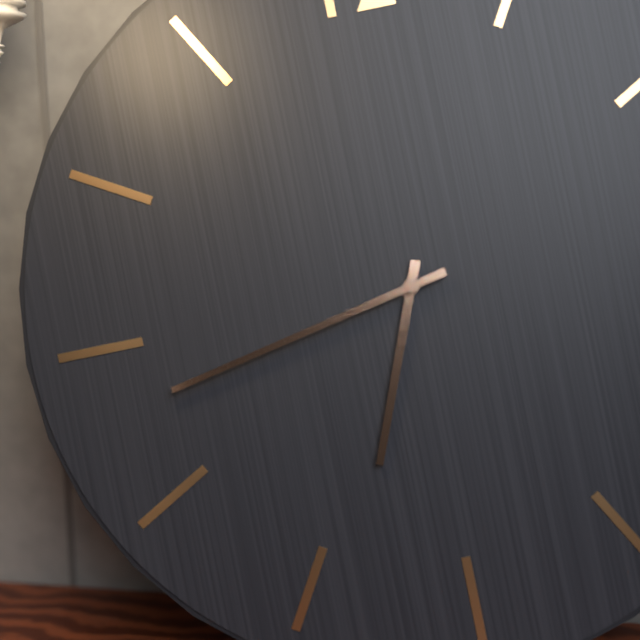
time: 6:43
